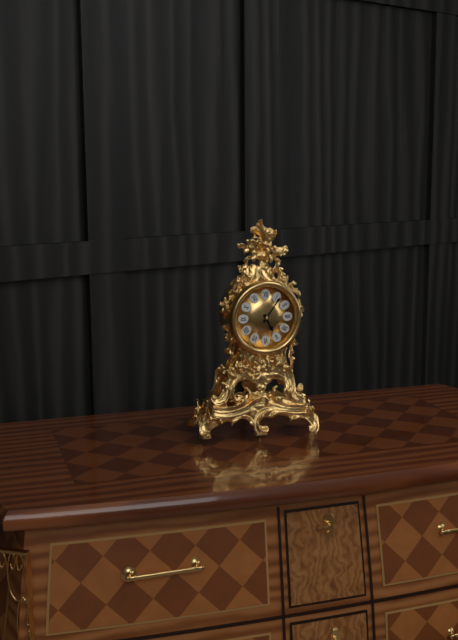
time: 5:06
